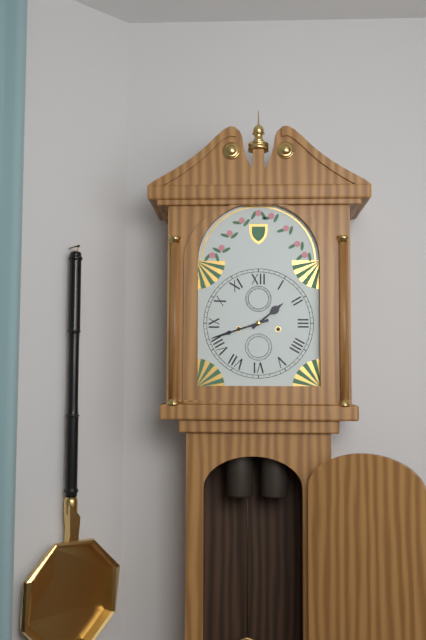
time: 1:42
